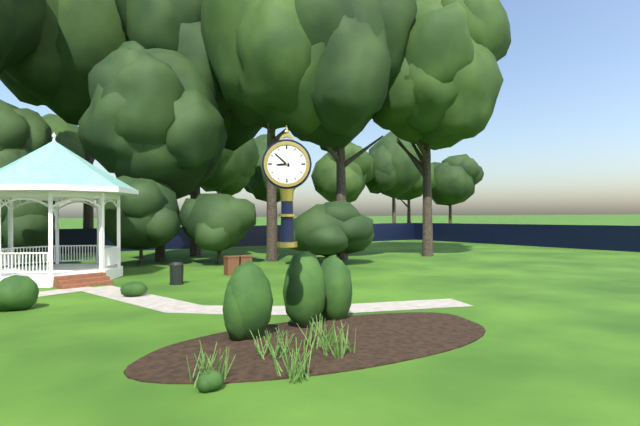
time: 8:52
